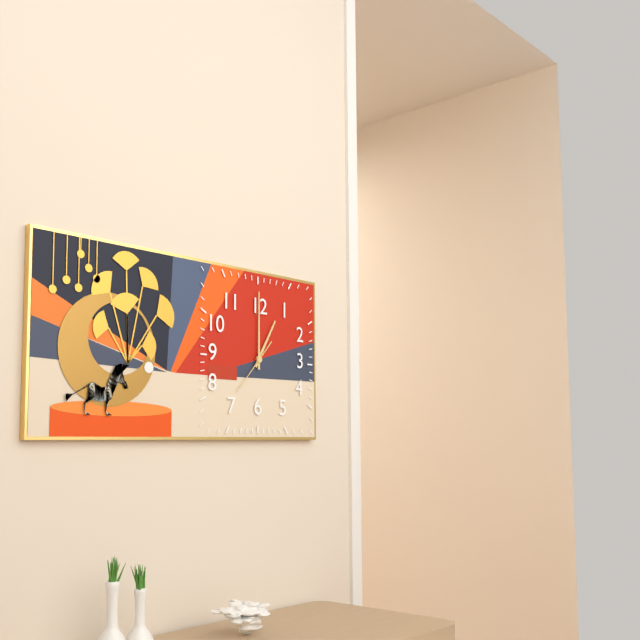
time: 1:00
